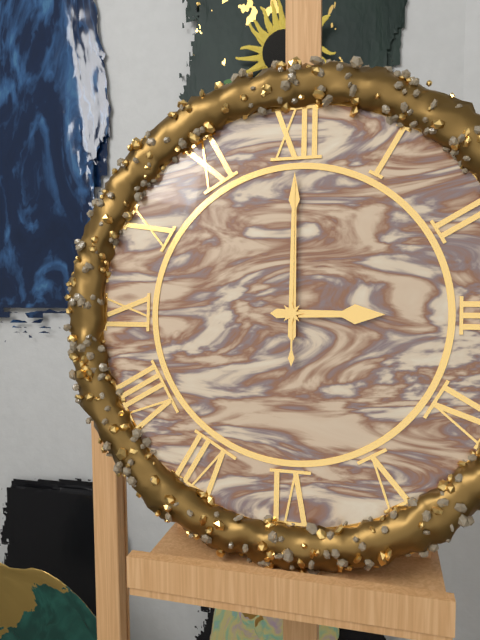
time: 3:00:00
